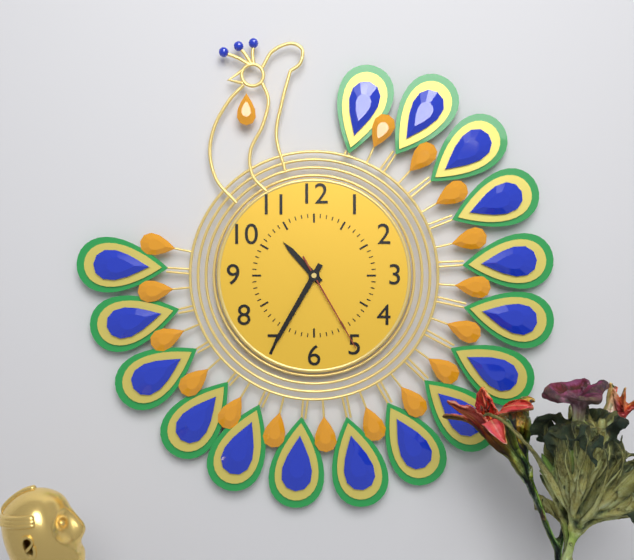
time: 10:35:25
